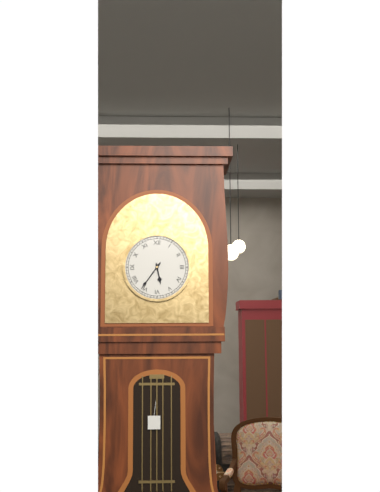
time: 5:36
